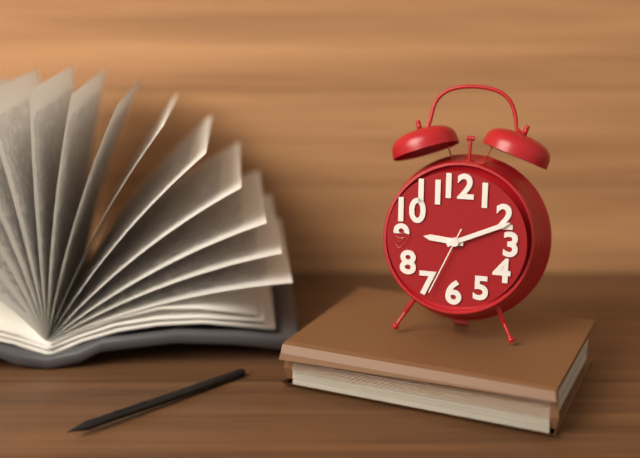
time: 9:11:34
